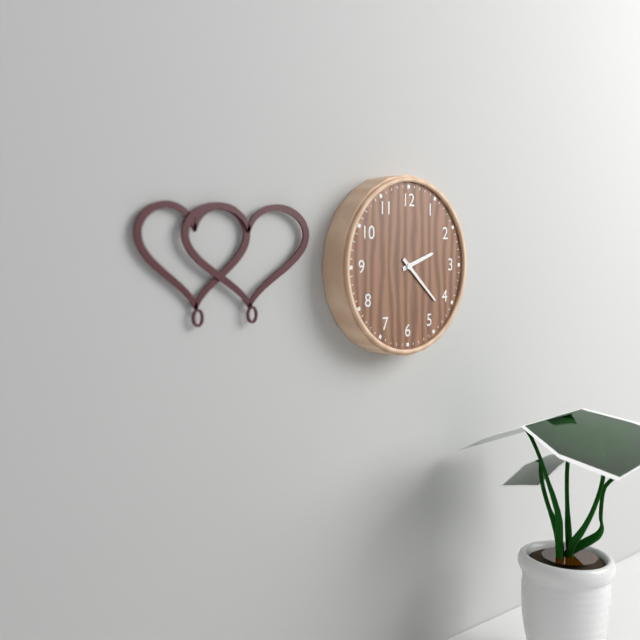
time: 2:22
